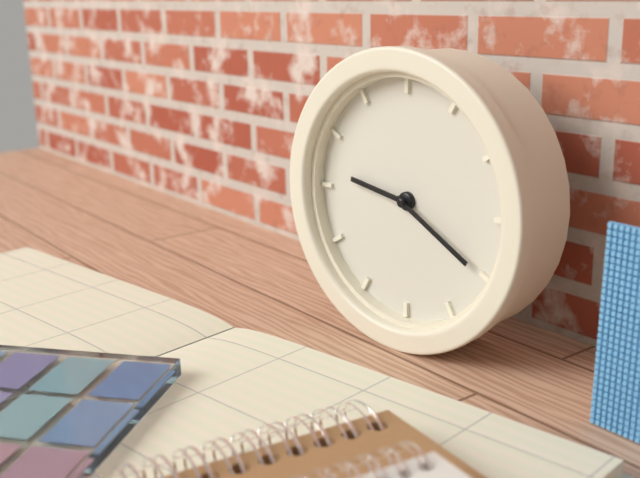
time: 9:20
